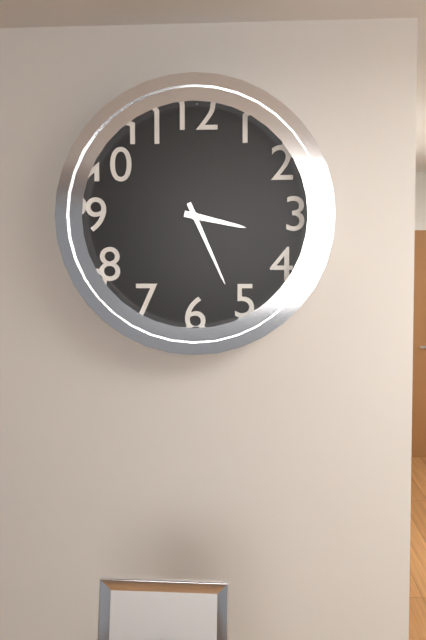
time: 3:26
